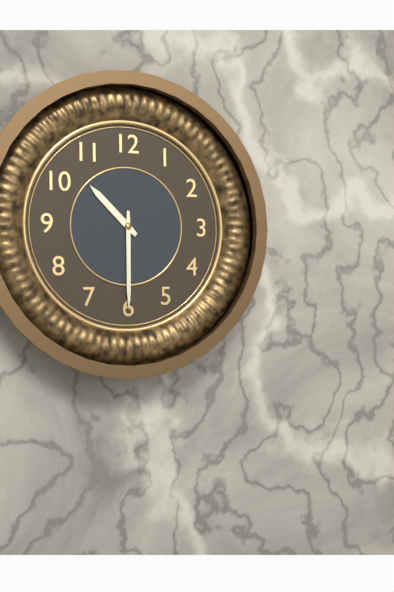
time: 10:30
